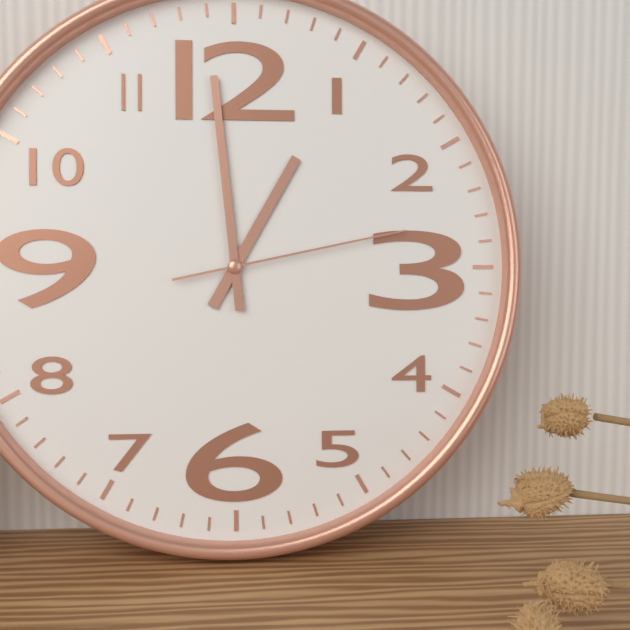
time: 12:59:13
